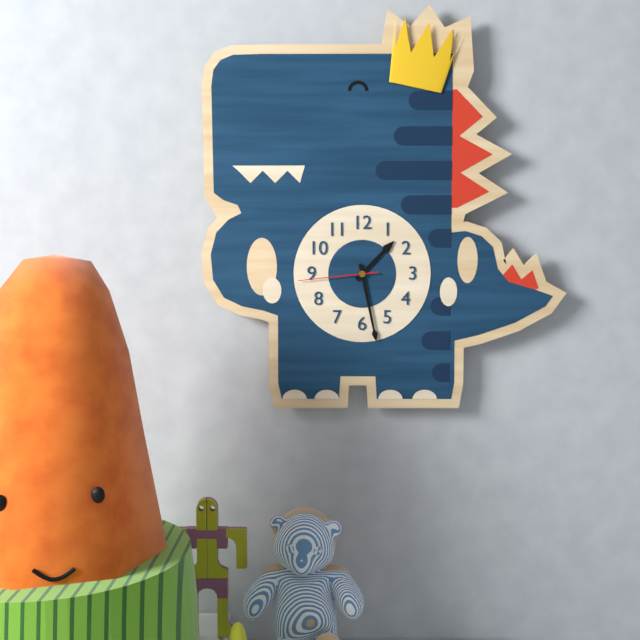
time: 1:28:44
